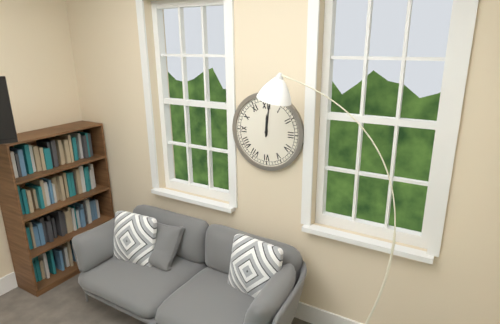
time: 12:01
